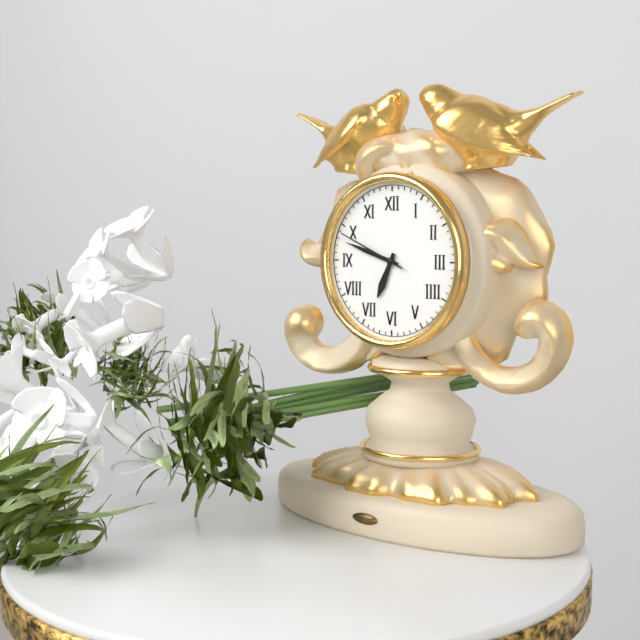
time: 6:48:49
